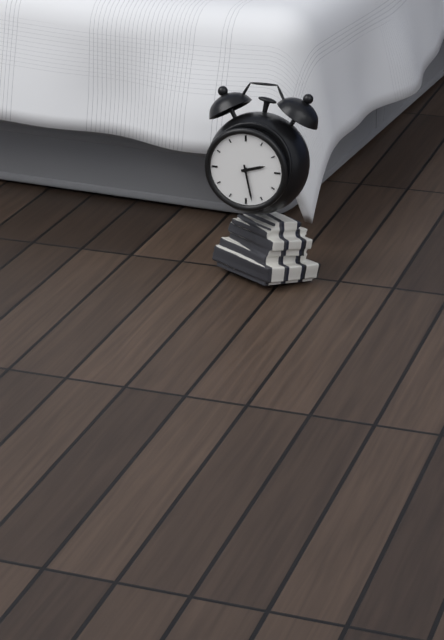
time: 2:28
